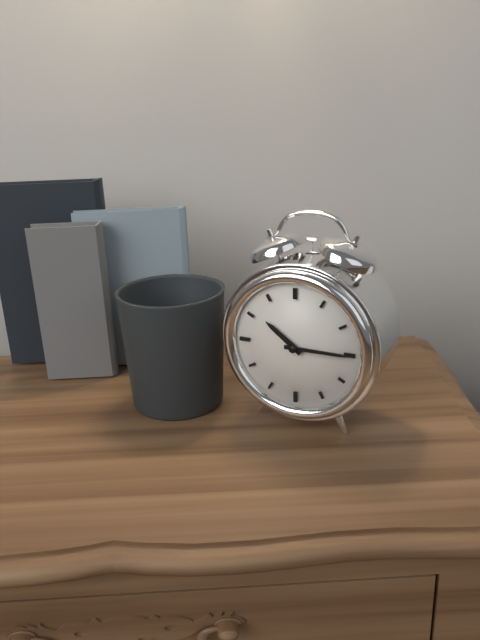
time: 10:15
